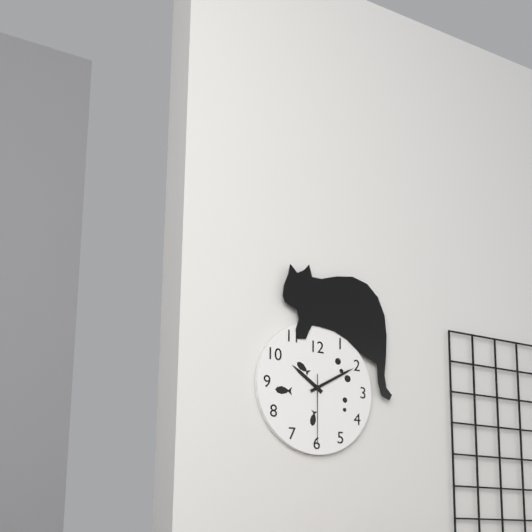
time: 10:10:30
